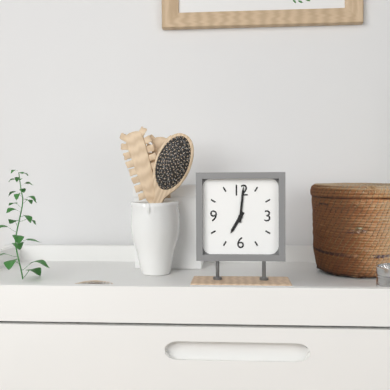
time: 7:01
